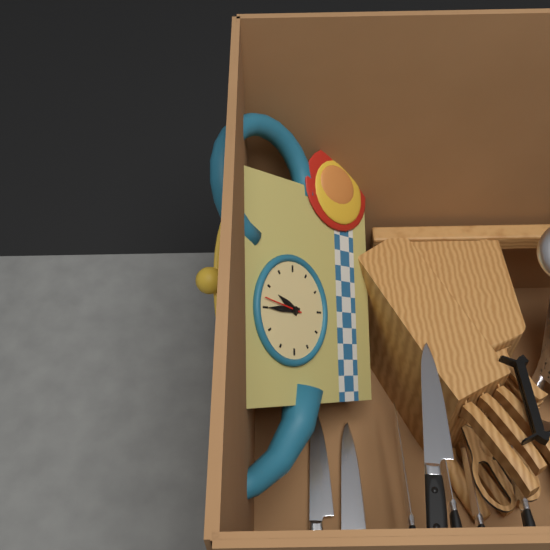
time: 1:00
